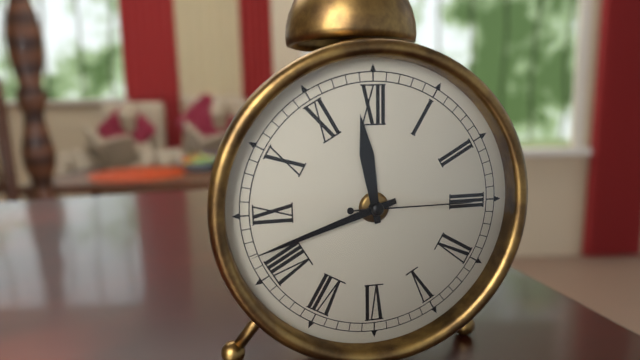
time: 11:42:15
